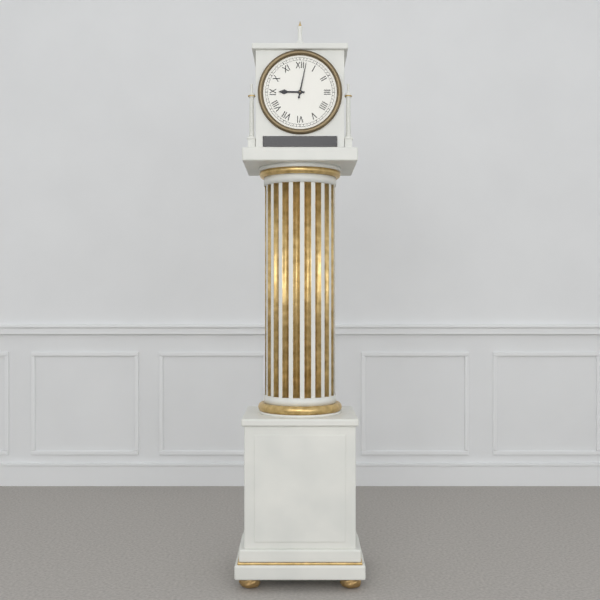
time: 9:02
